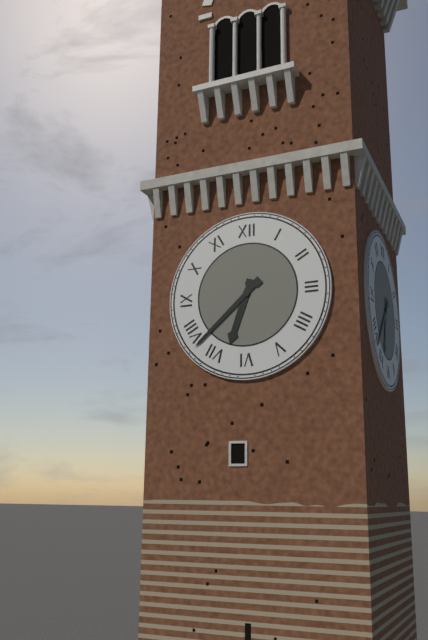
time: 6:38
